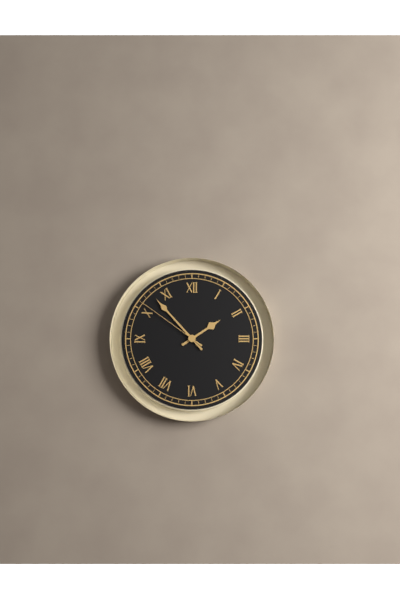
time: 1:53:51
